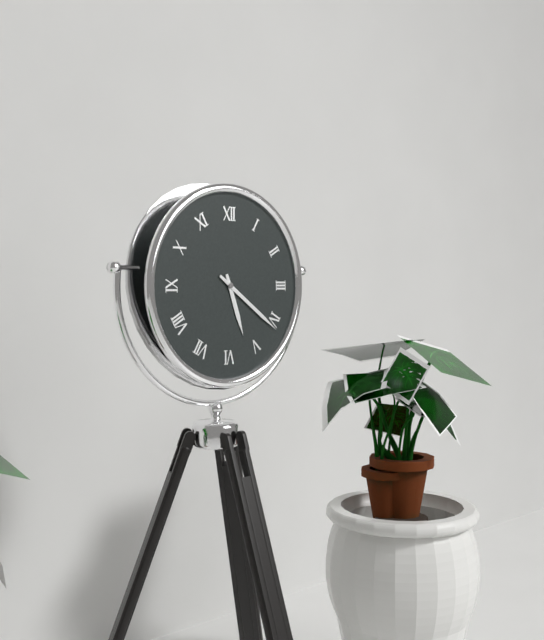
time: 5:21
